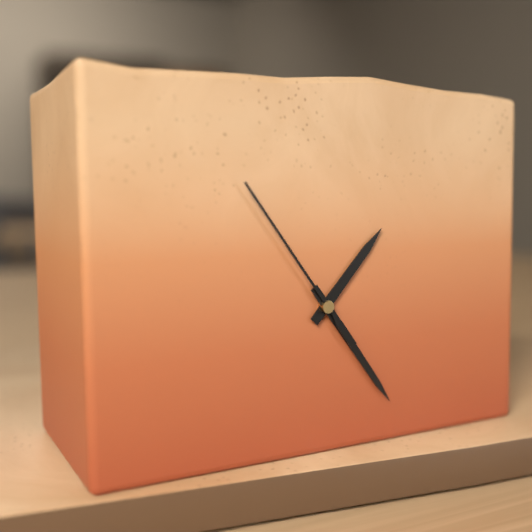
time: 1:24:54
